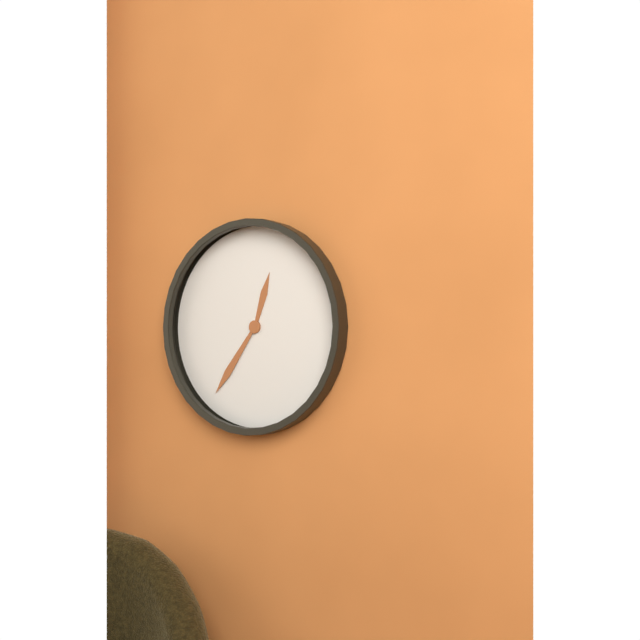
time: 12:36
